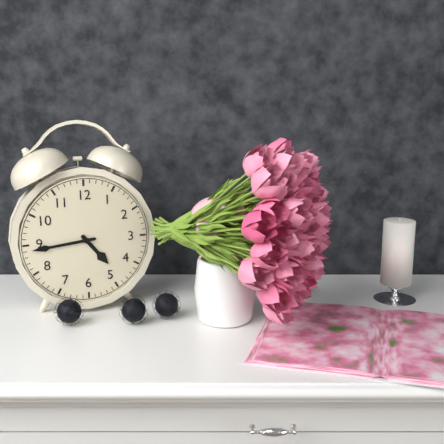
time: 4:44
